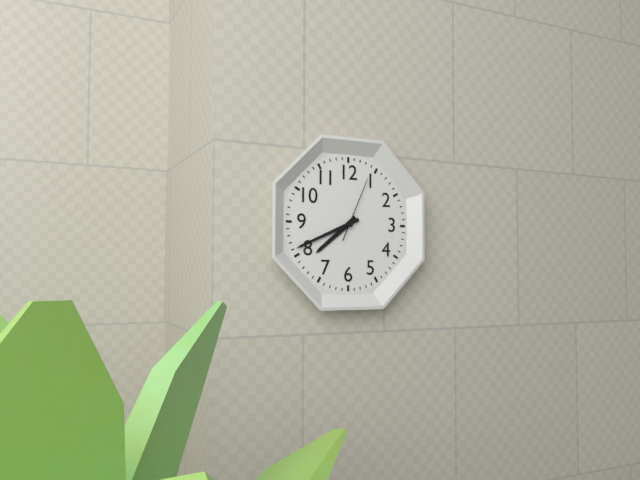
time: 7:41:04
